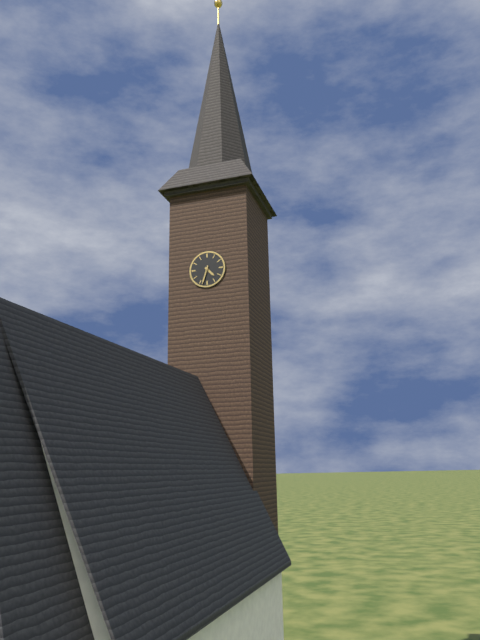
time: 4:33
